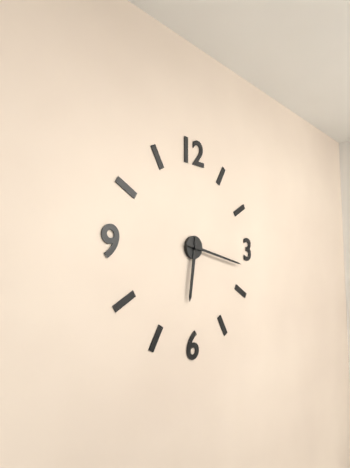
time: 6:17
